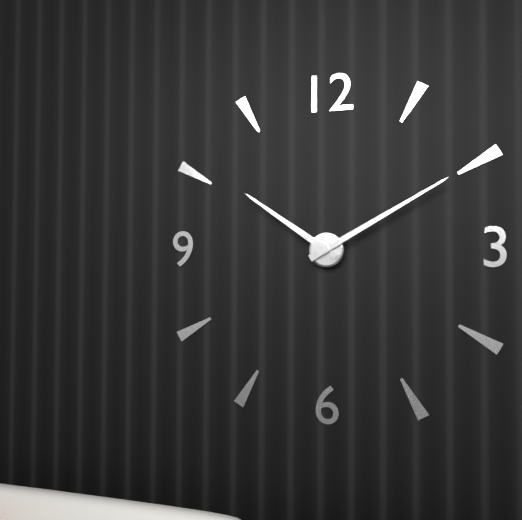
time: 10:10
